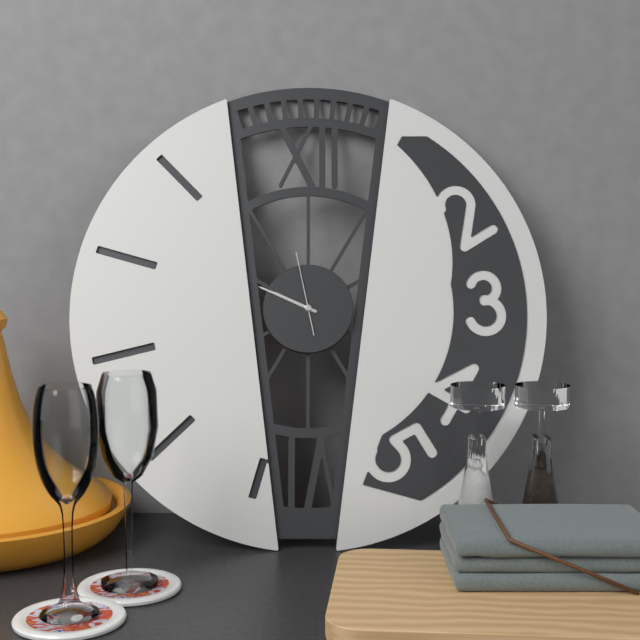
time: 9:49:58
